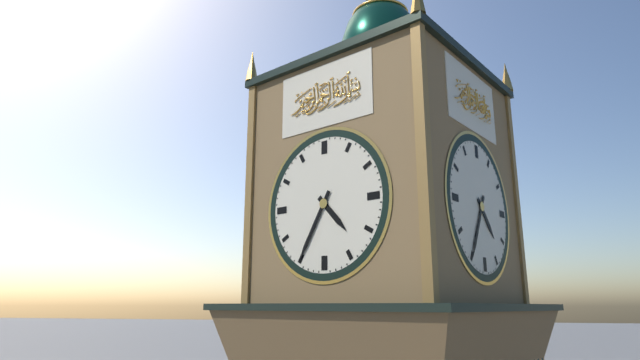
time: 4:35
